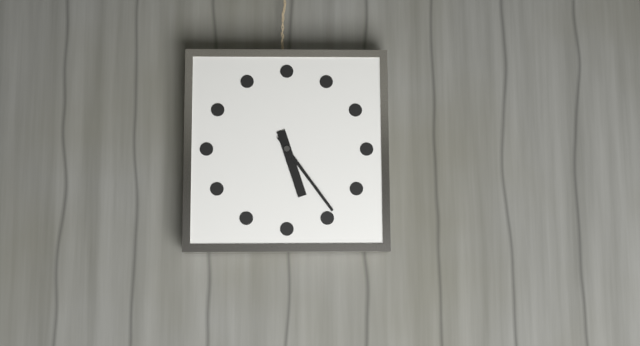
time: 5:24
